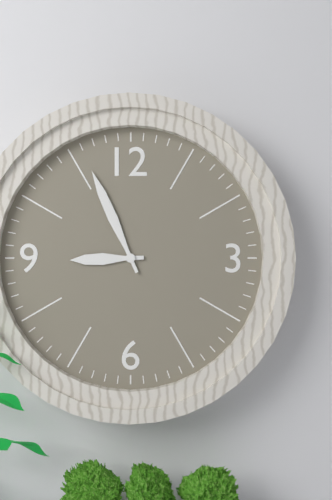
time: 8:56
